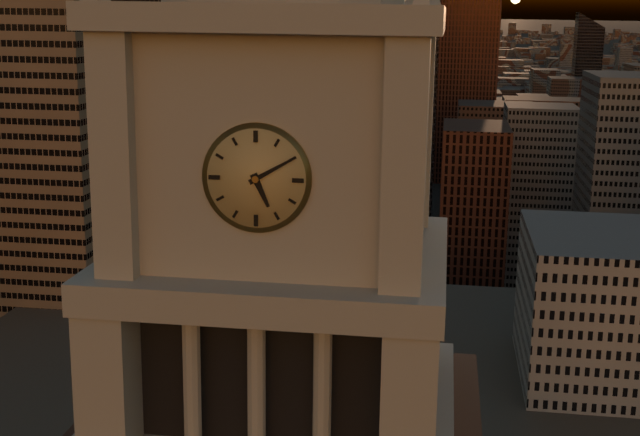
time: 5:10
